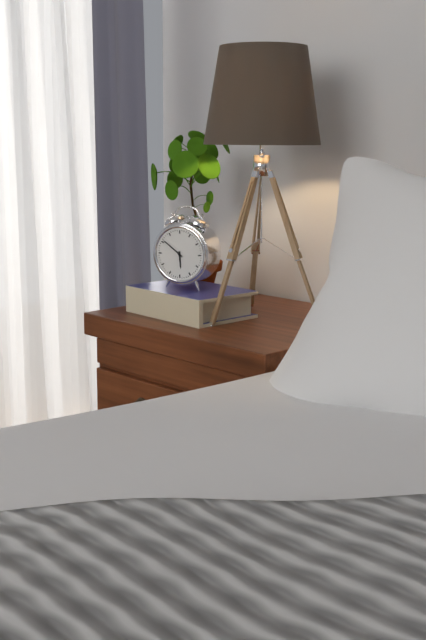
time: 5:51
